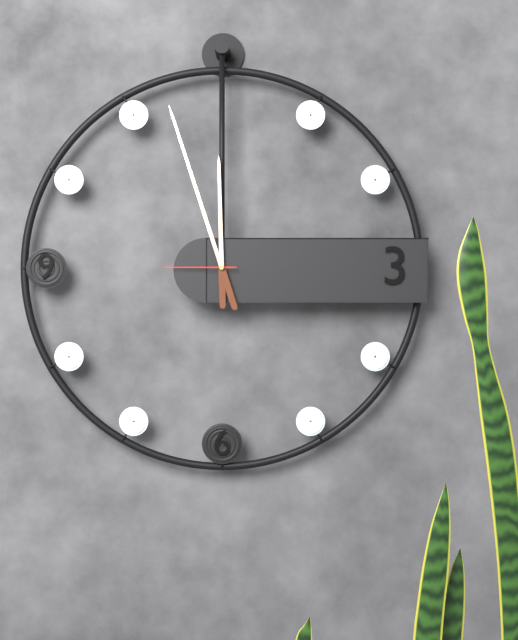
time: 11:57:45
